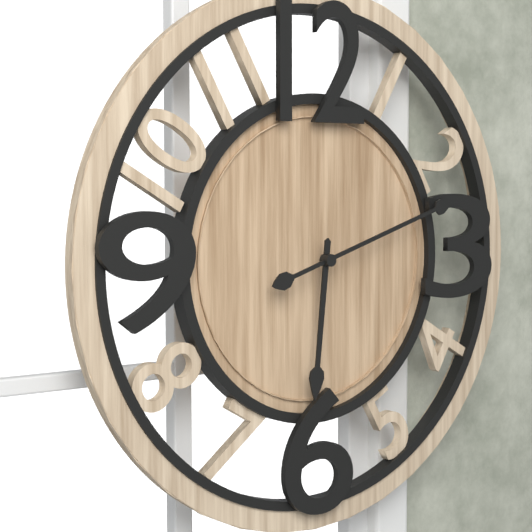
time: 6:12
